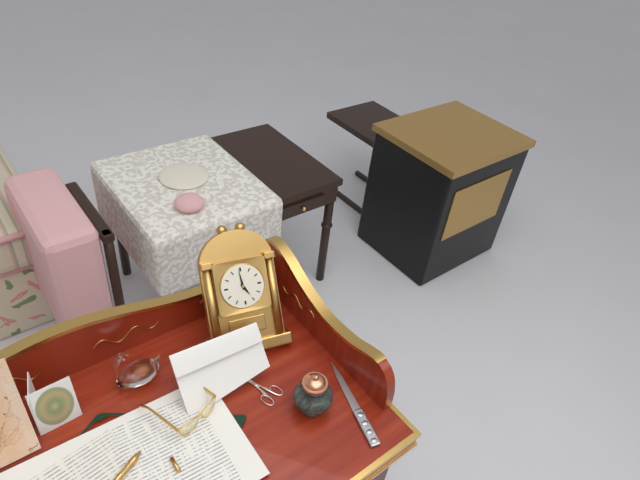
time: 4:59
